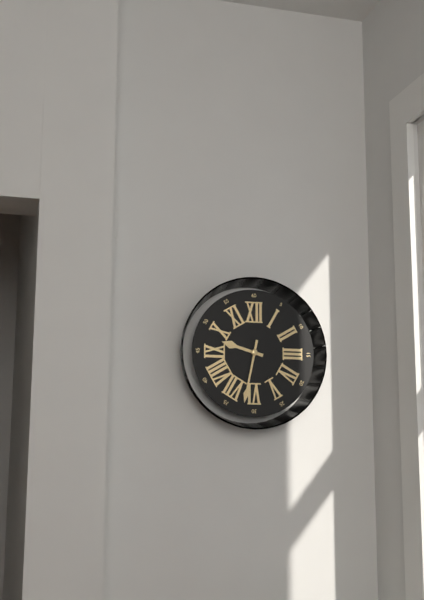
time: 9:32
